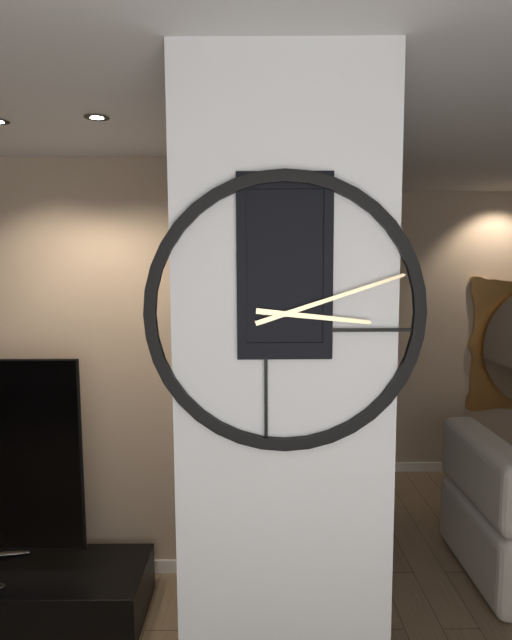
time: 3:12
